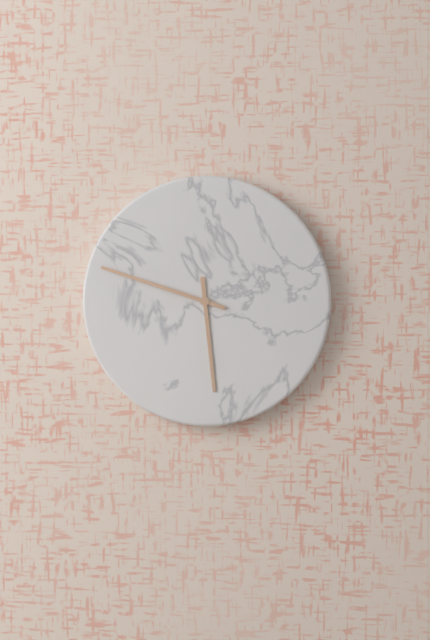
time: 5:48
